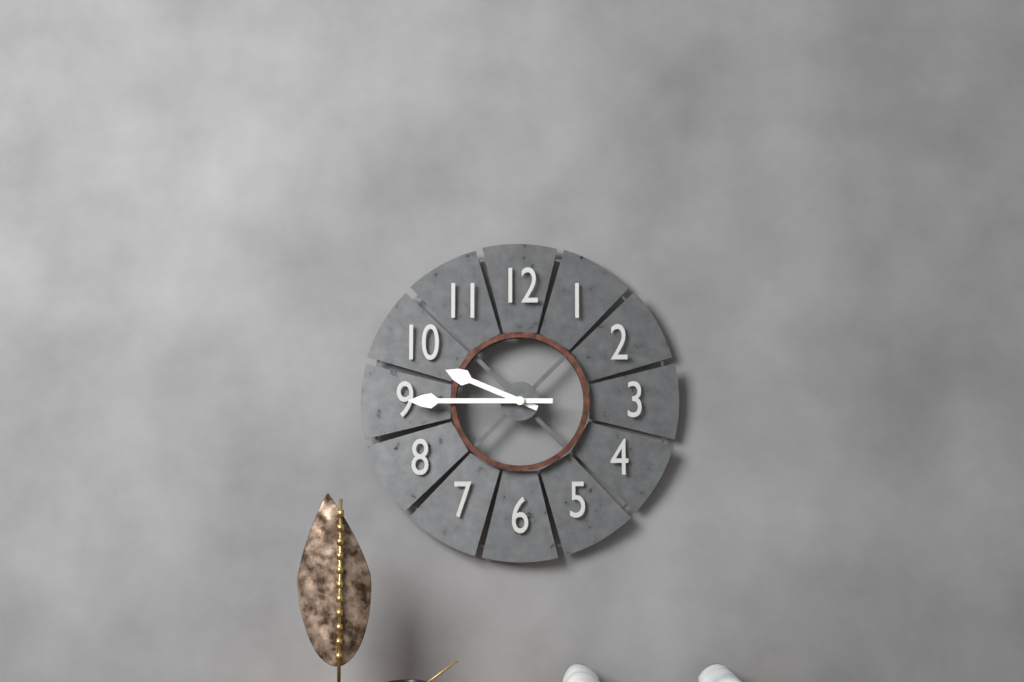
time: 9:45
